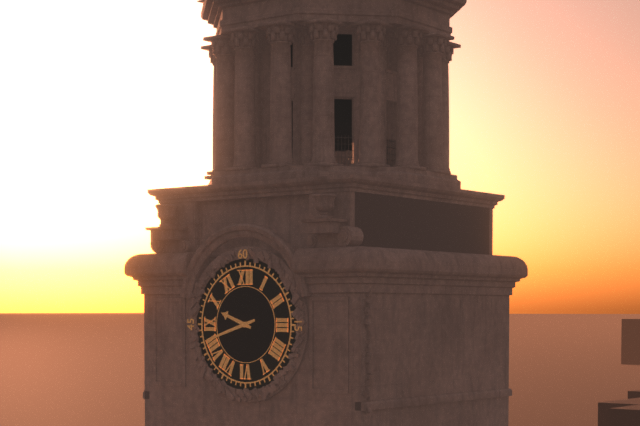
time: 9:42
